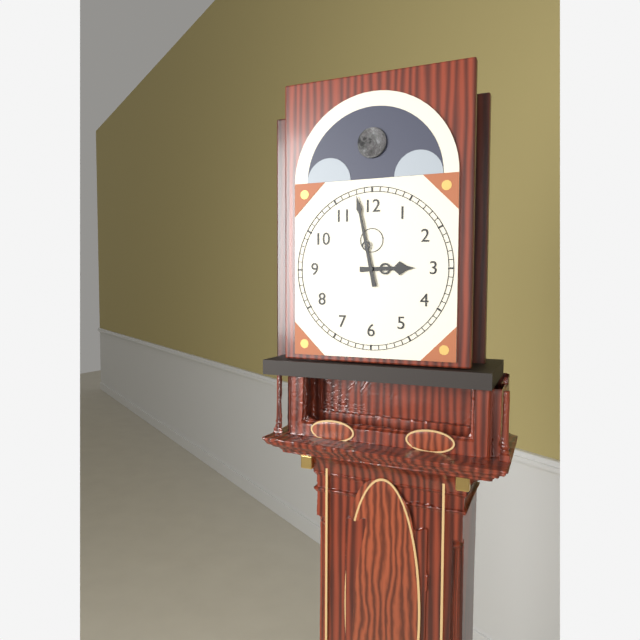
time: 2:58
